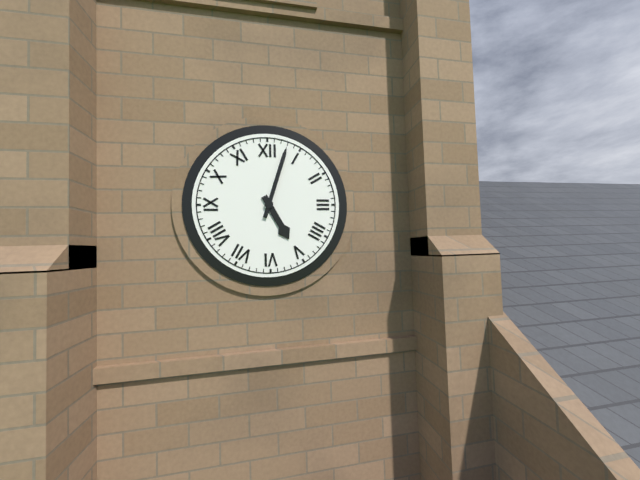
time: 5:03
